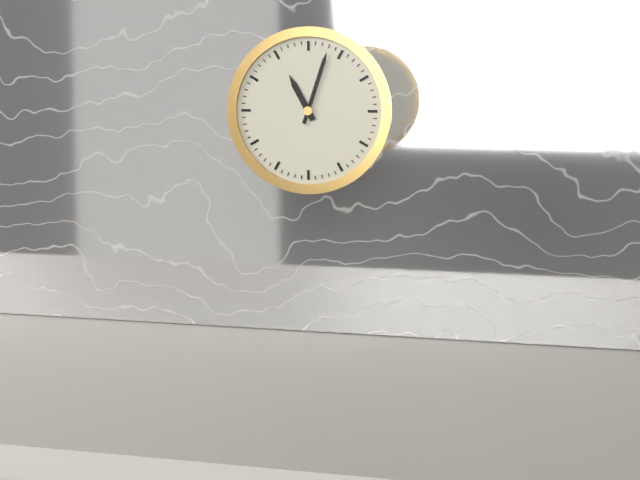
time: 11:03
